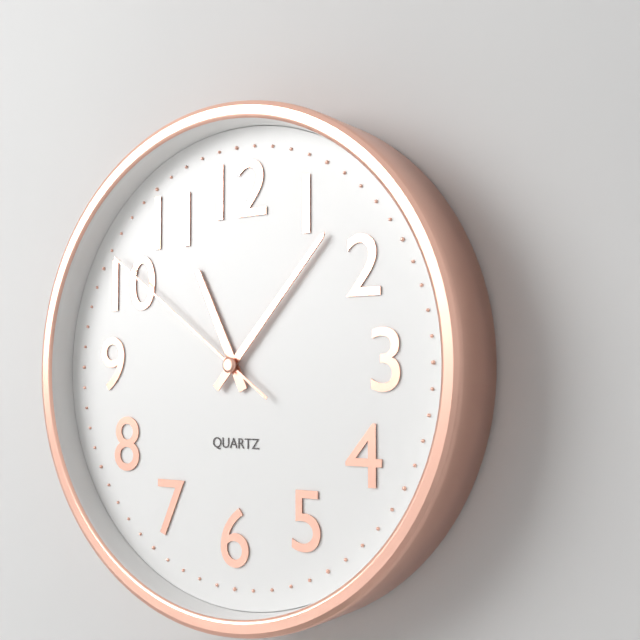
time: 11:07:51
